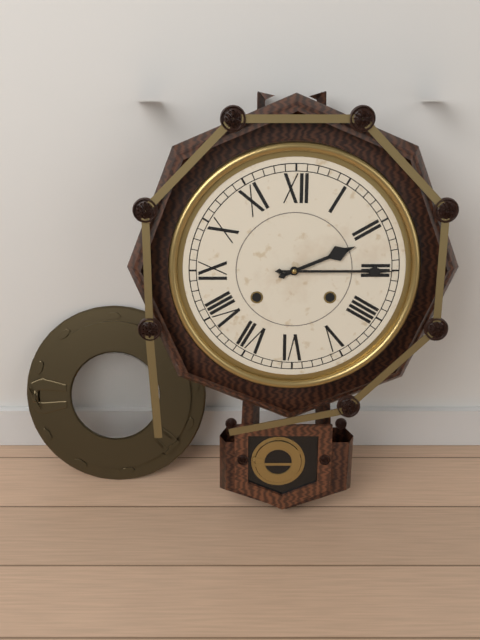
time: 2:15
